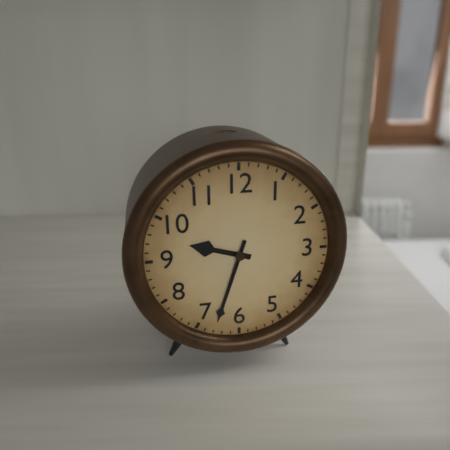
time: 9:33
